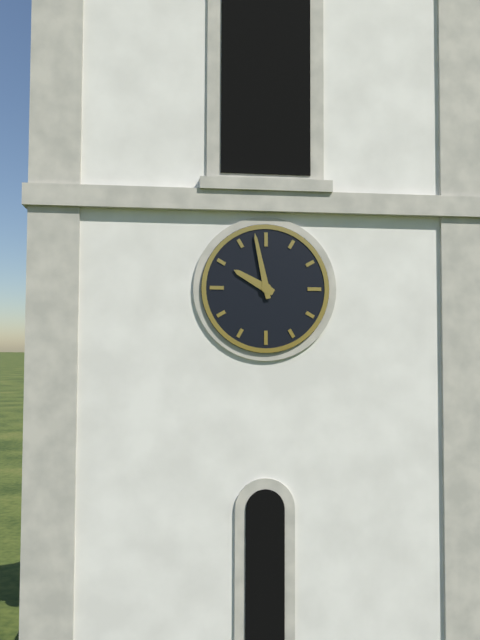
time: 9:58
